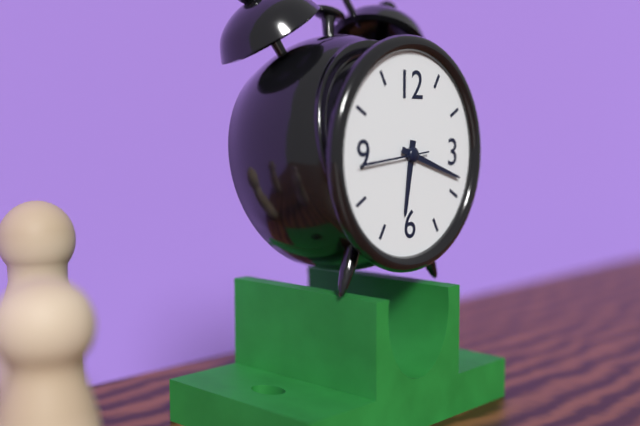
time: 6:18:44
